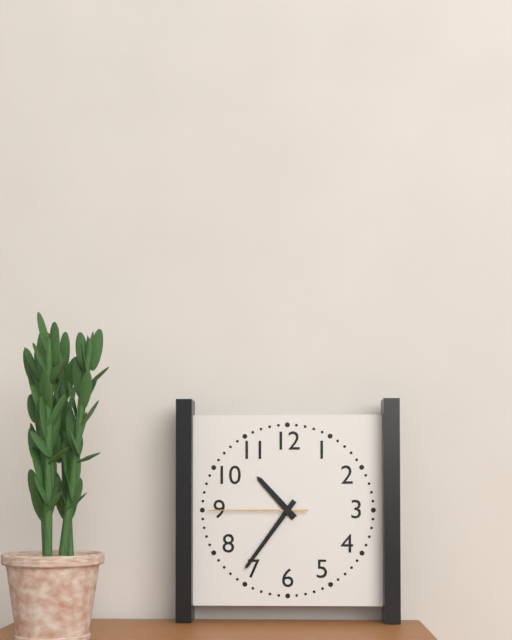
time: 10:36:45
